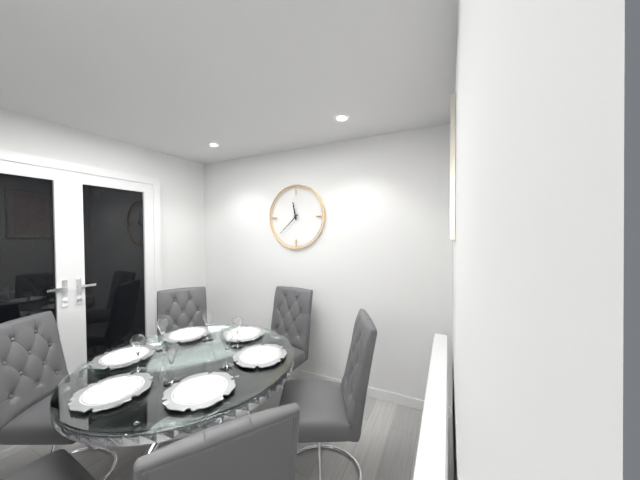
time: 11:38
